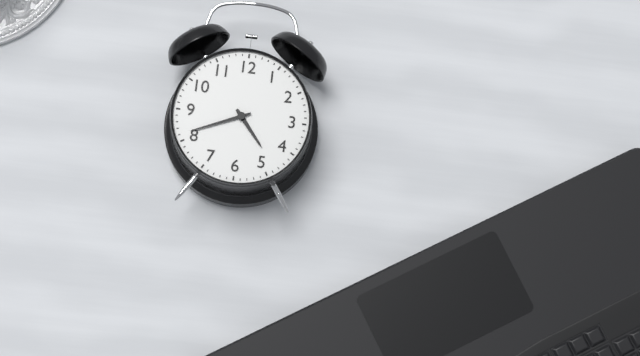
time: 4:41
